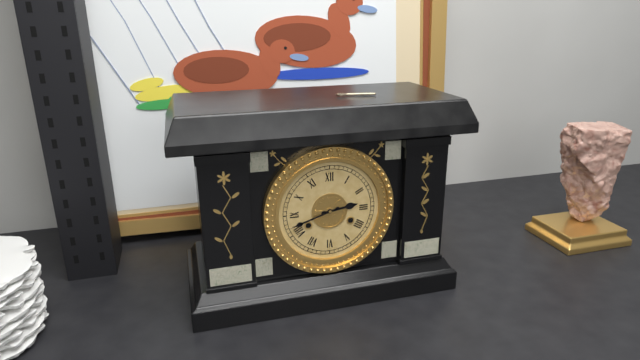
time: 2:42
